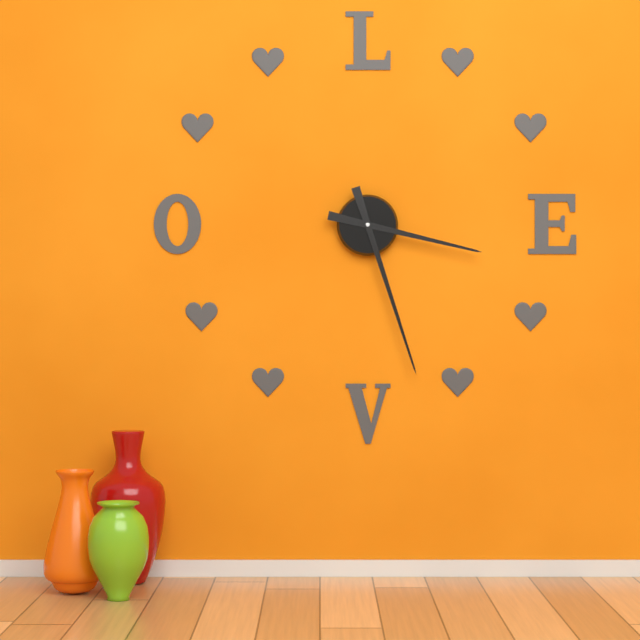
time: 3:27
